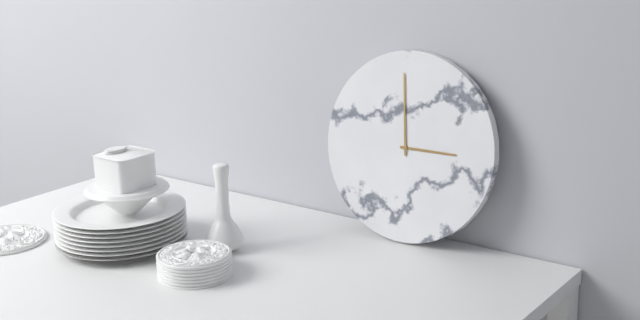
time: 2:59
